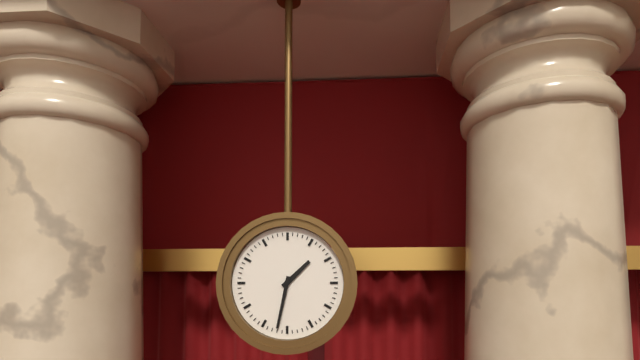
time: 1:32
